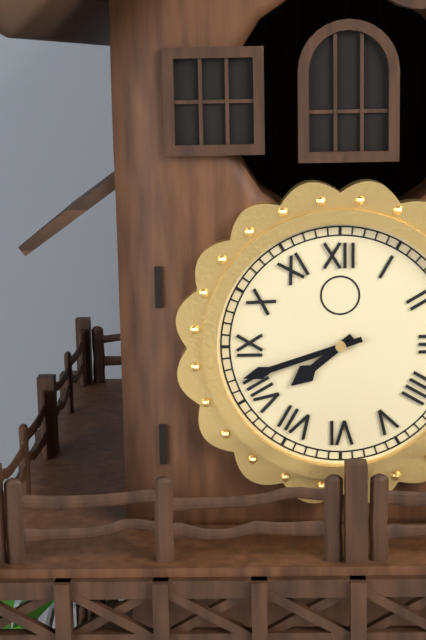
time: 7:42
